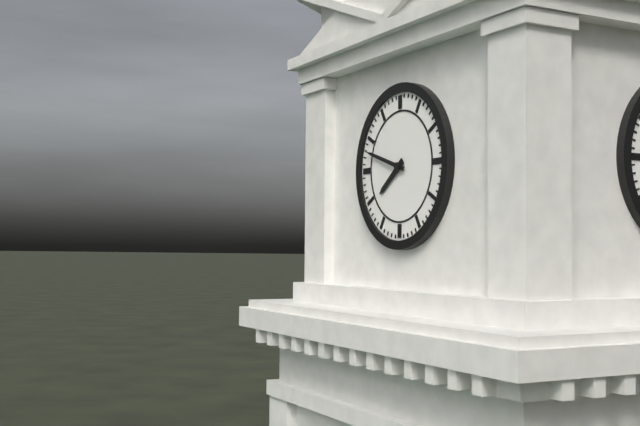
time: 7:48
